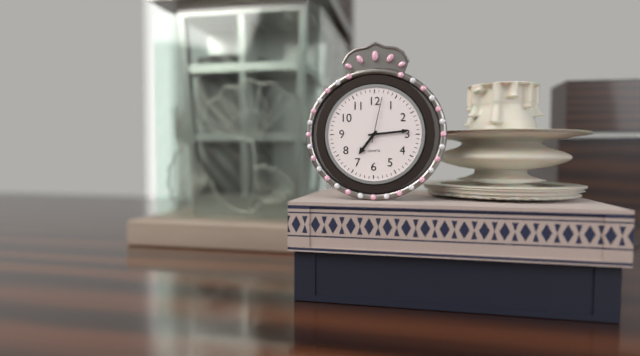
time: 7:14
